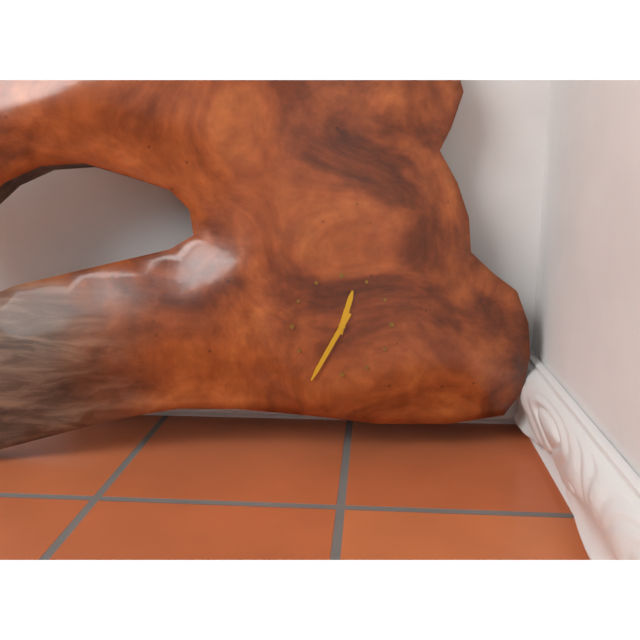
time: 12:35
